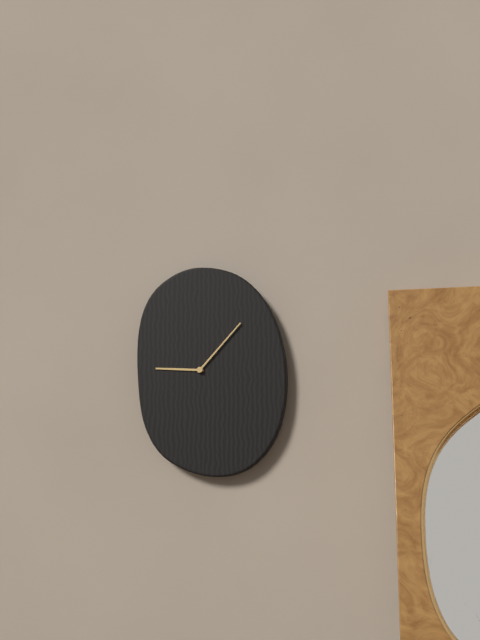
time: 9:07
